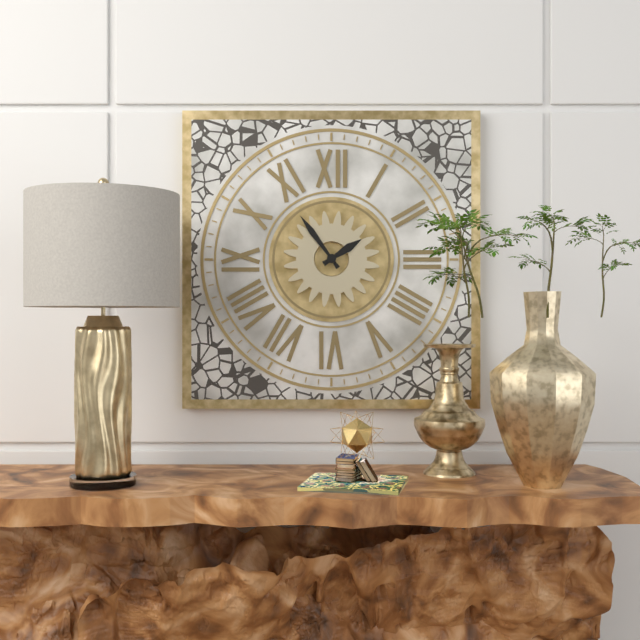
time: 1:54
